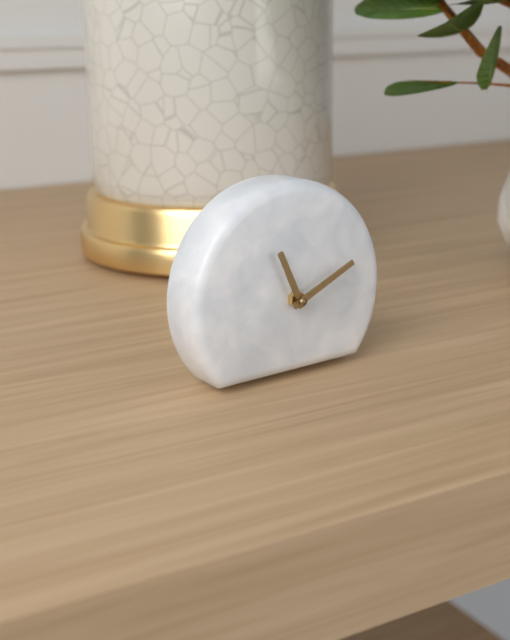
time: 11:11
